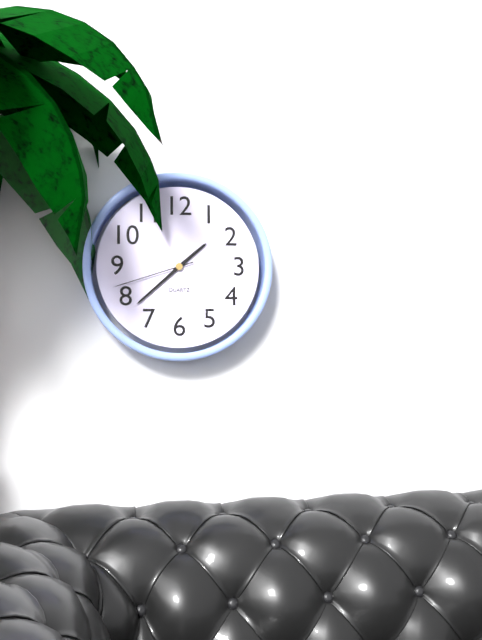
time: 1:38:42
